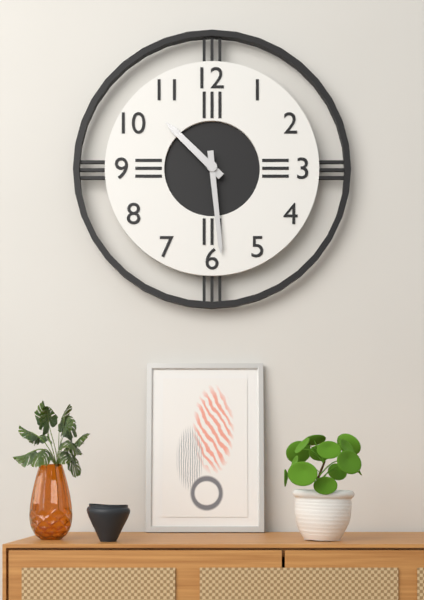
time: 10:29
